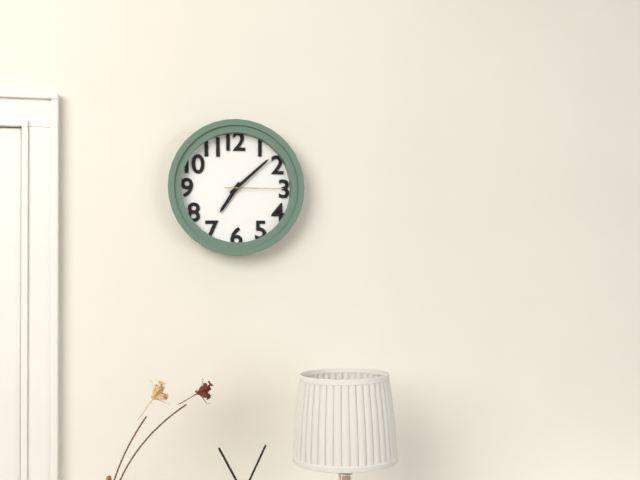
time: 7:08:15
